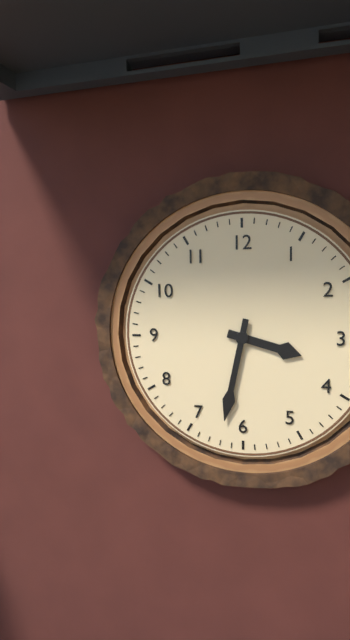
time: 3:32
